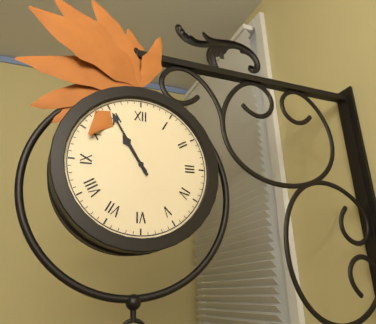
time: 10:55
